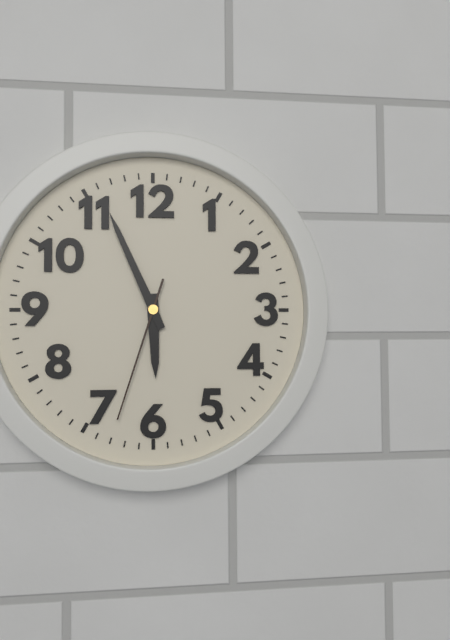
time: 5:56:33
